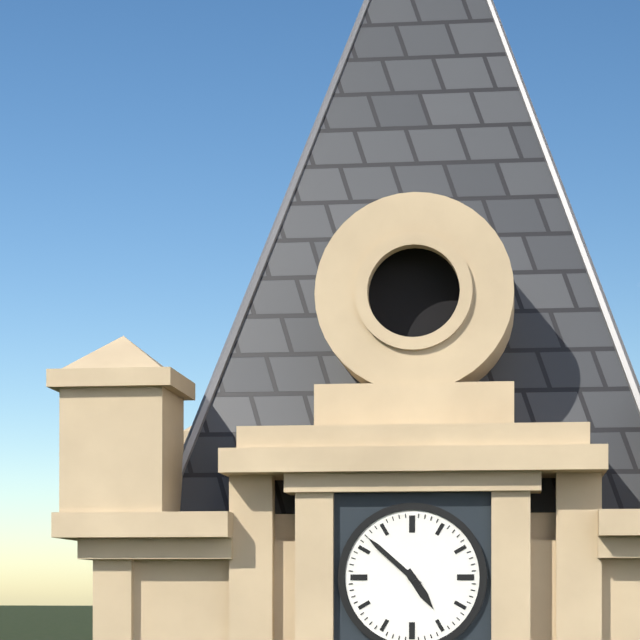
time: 4:52
